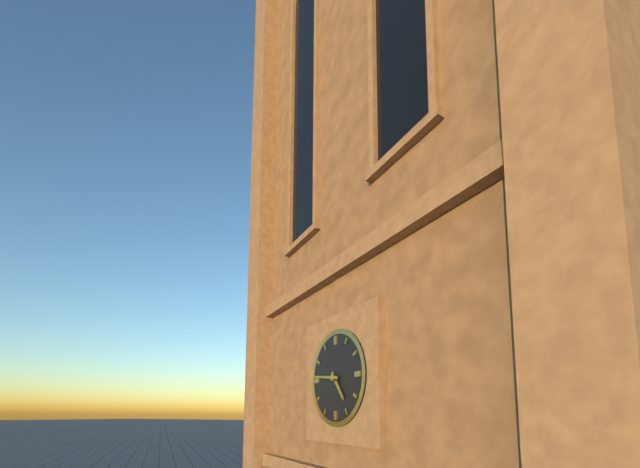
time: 4:46
